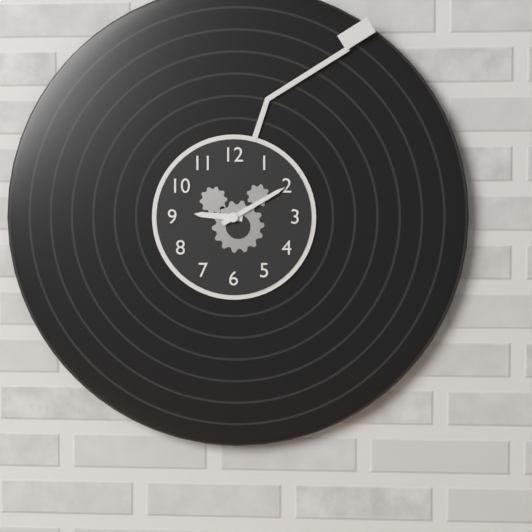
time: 9:10
